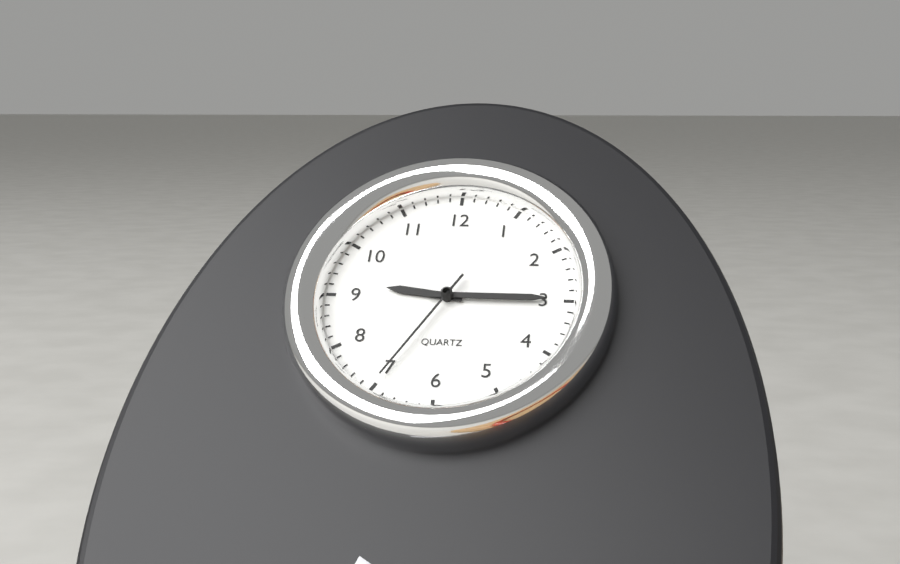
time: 9:15:35
